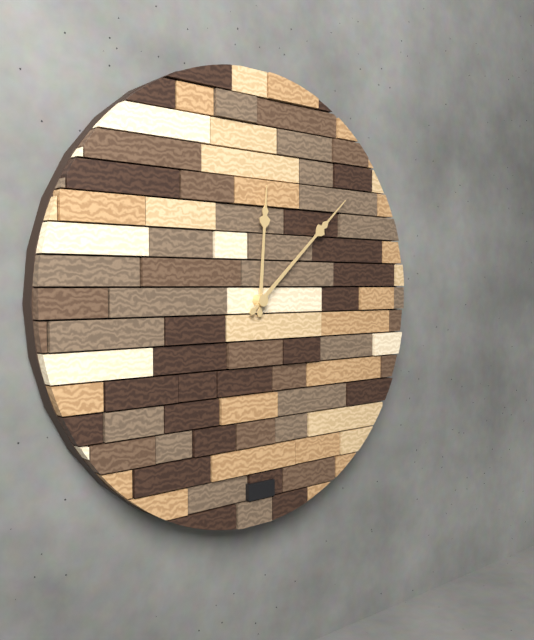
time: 12:08
